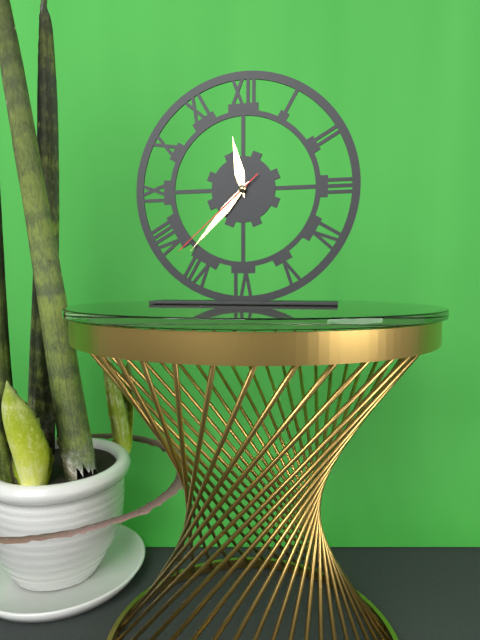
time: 11:37:38
